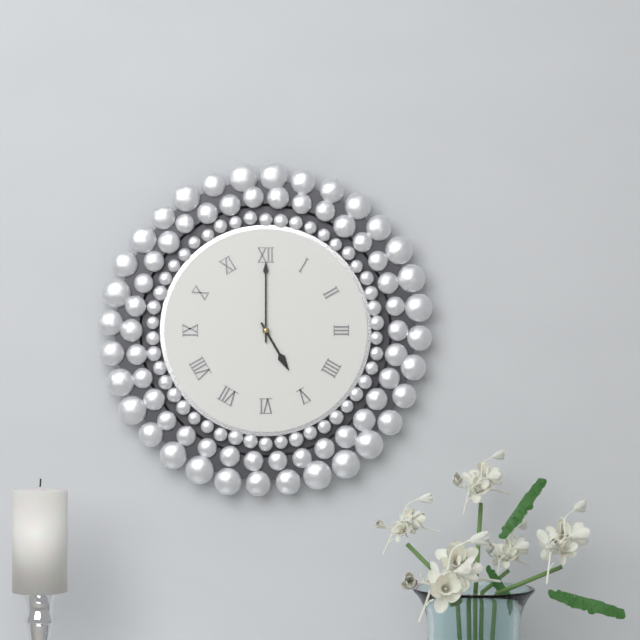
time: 5:00
